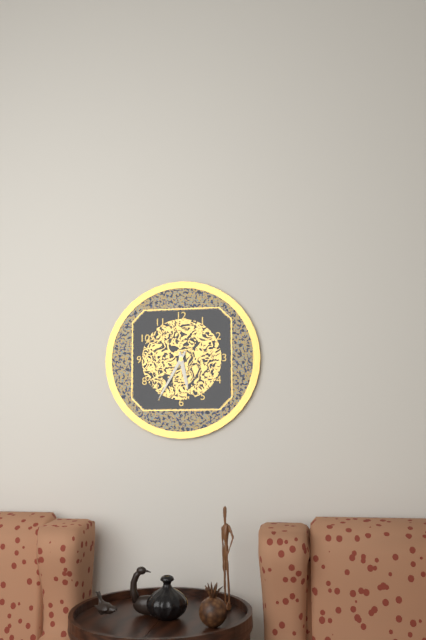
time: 5:35
